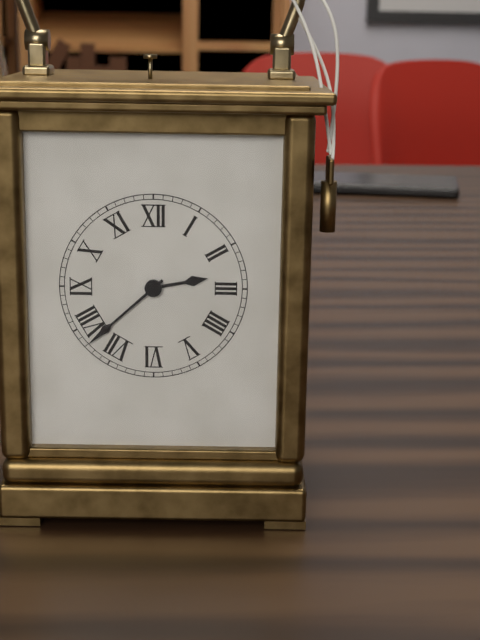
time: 2:38
